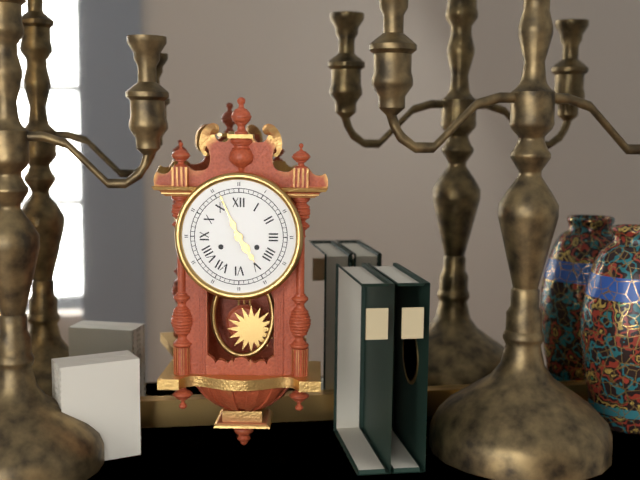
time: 4:56
